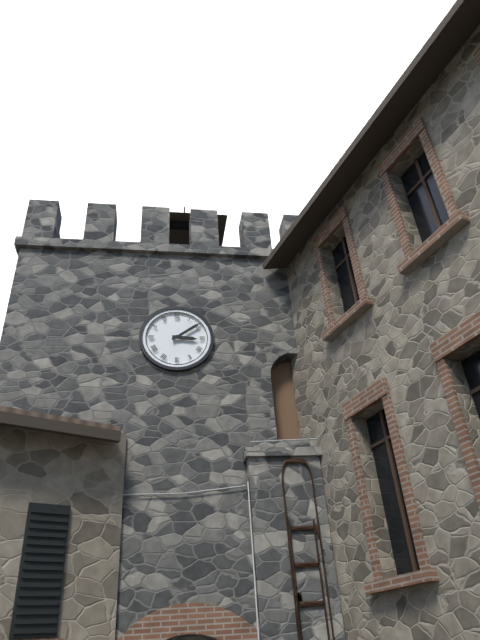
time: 3:09
